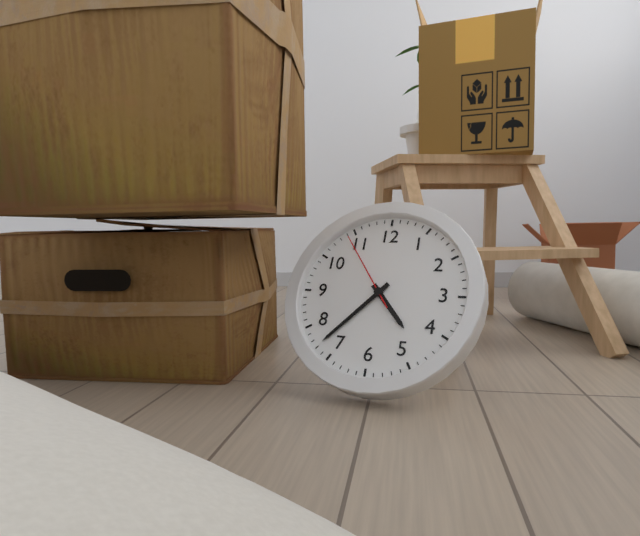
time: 4:37:54
